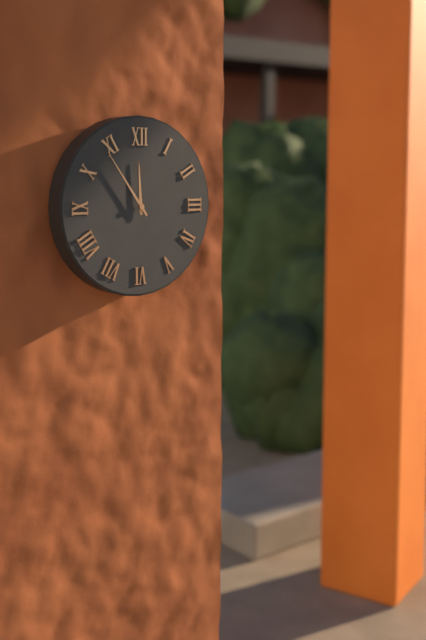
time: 11:54
